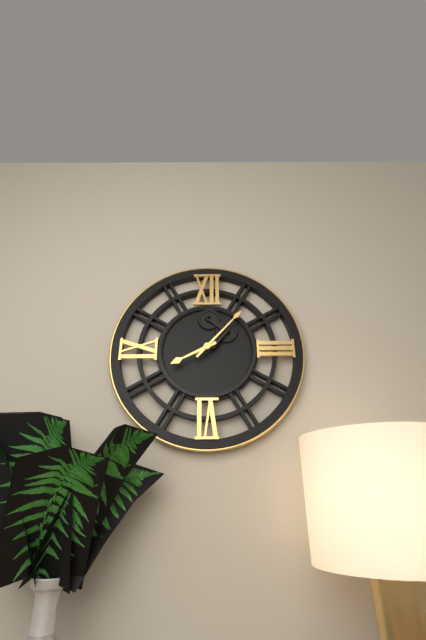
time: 8:07
